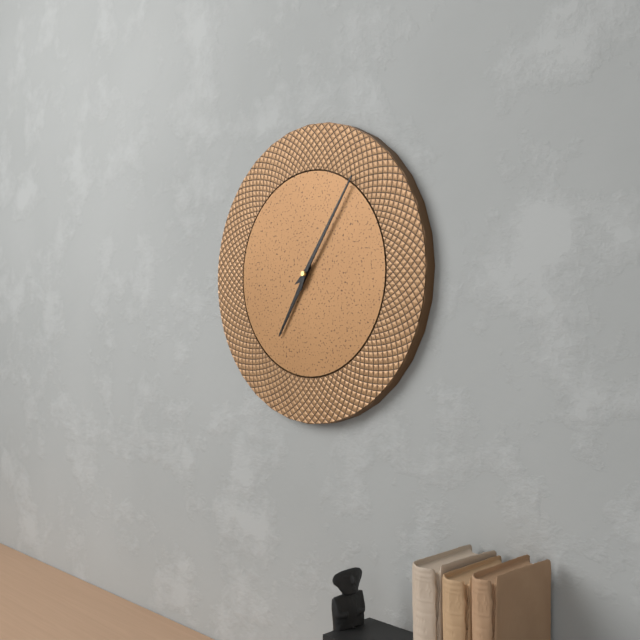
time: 7:06
